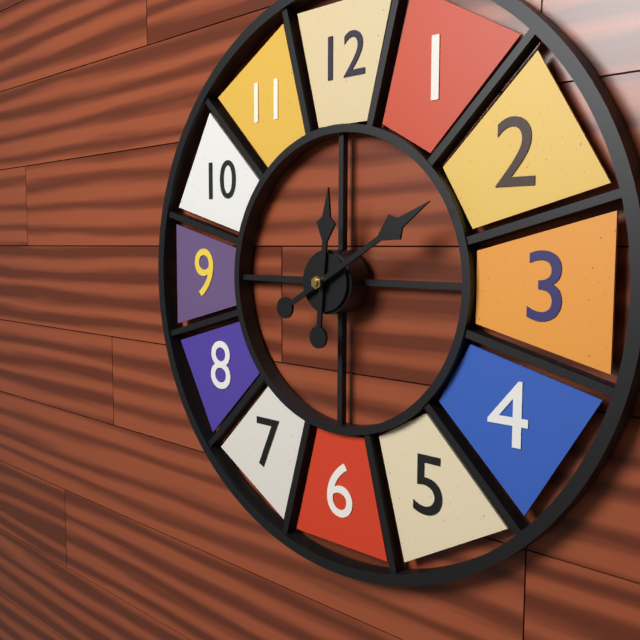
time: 12:10
